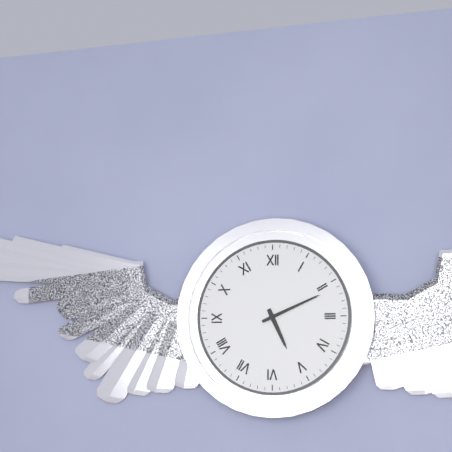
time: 5:11
